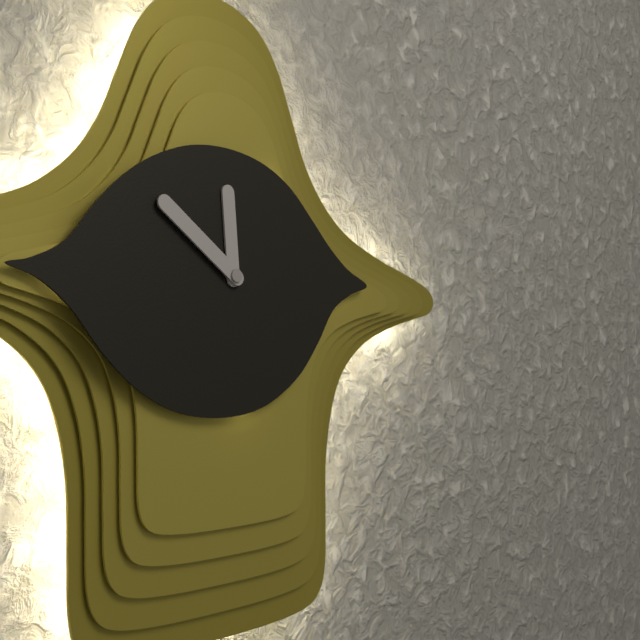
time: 11:51
